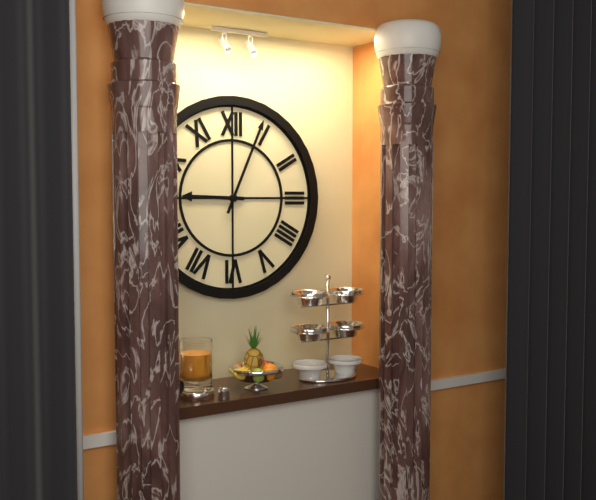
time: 9:04
